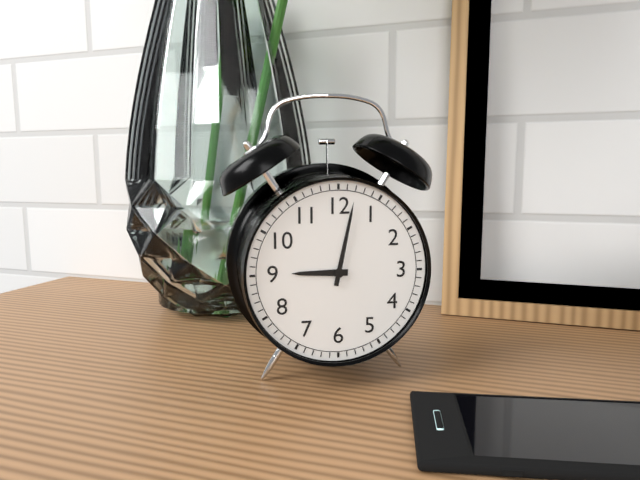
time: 9:02
